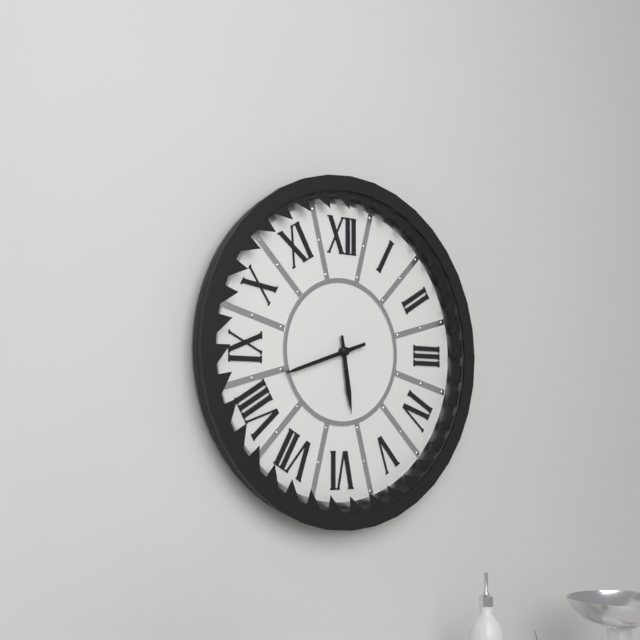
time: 5:42
